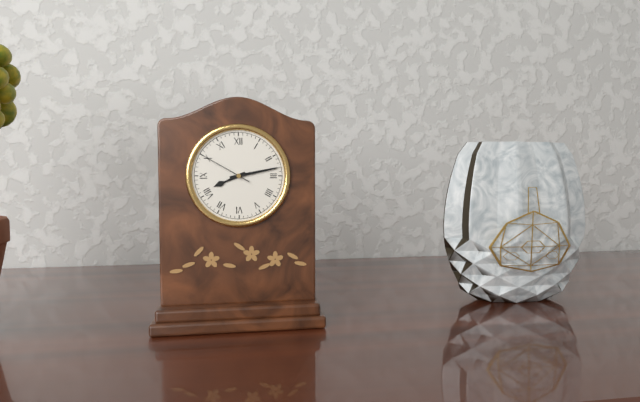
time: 8:13:50
